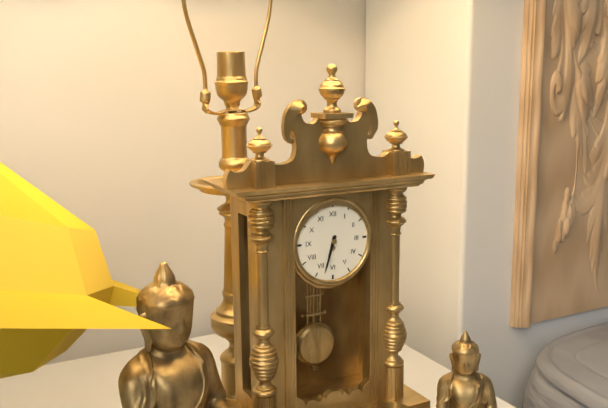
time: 6:33
